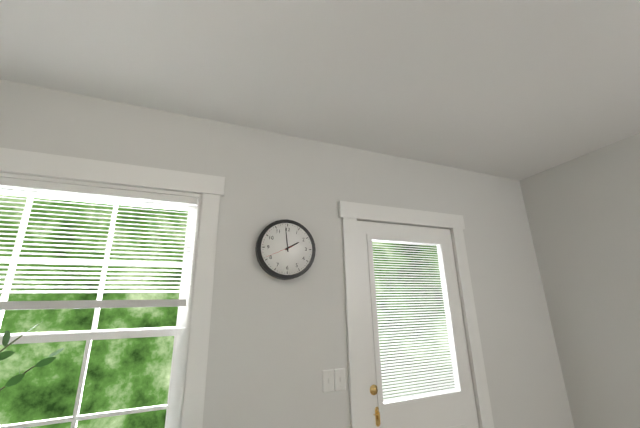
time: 1:59
